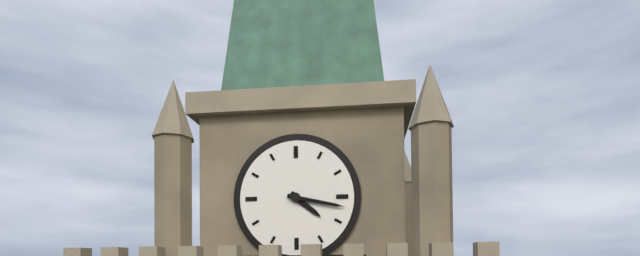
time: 4:17
